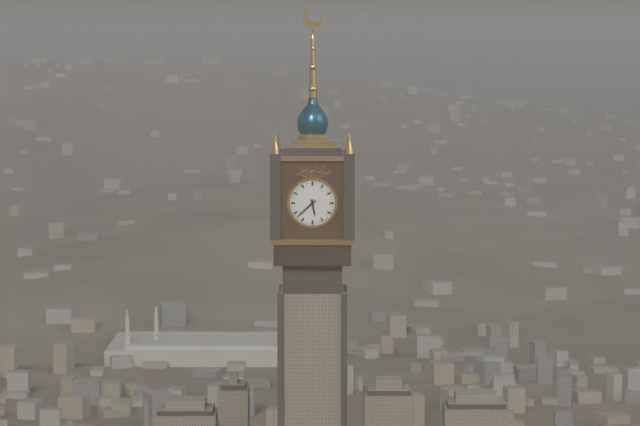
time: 5:38
